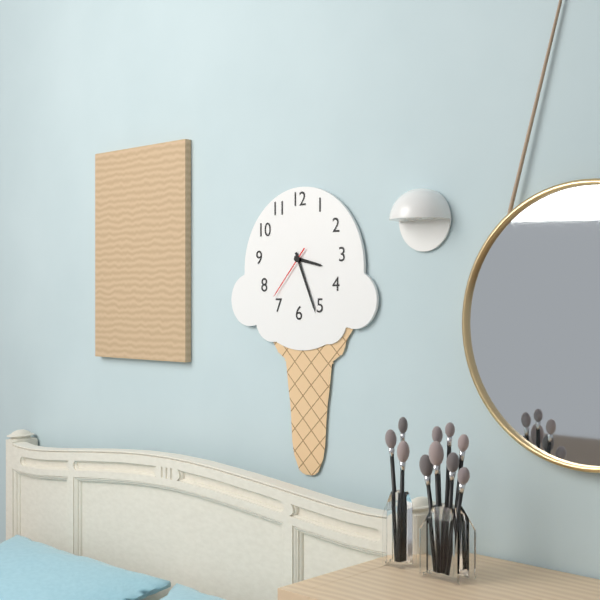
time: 3:26:37
